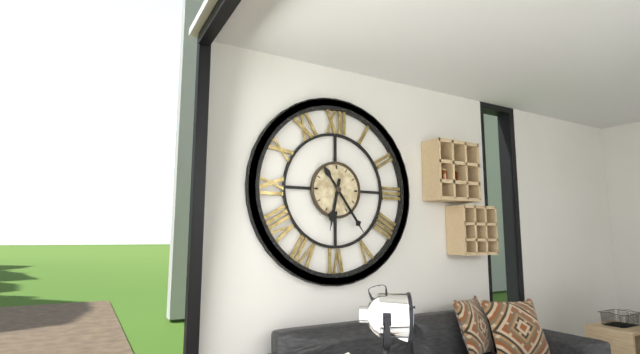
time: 6:24
